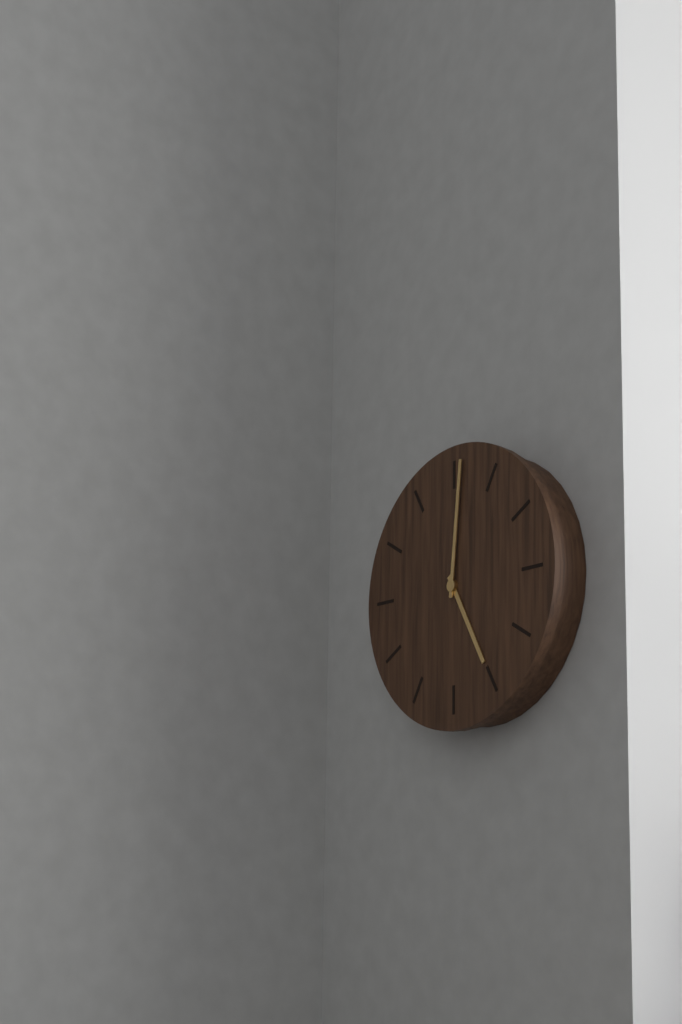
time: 5:01
